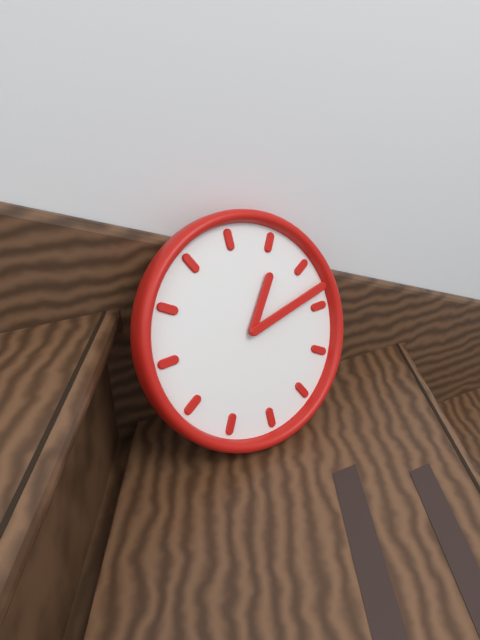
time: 1:13
